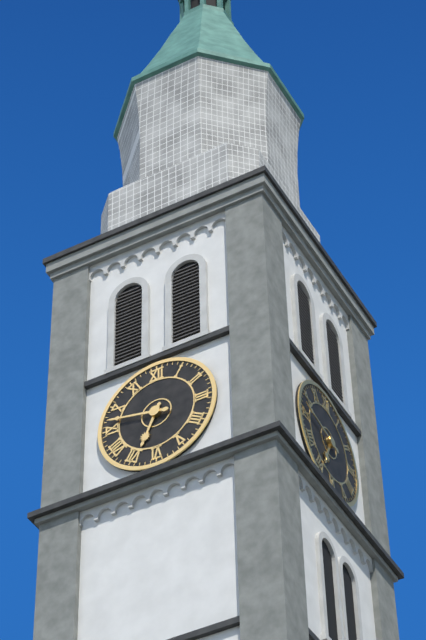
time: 6:47
